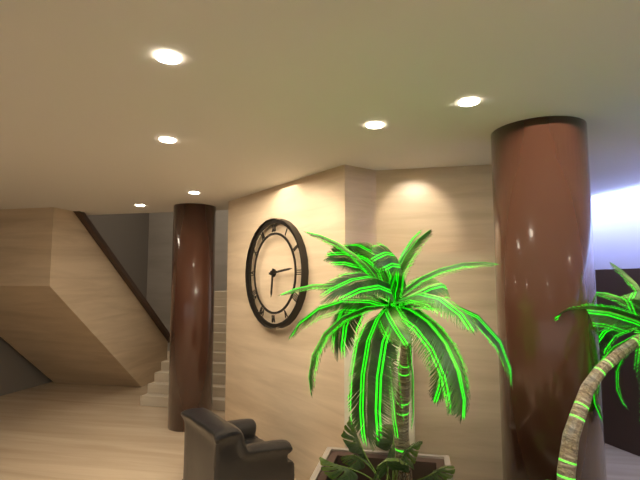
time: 6:14
